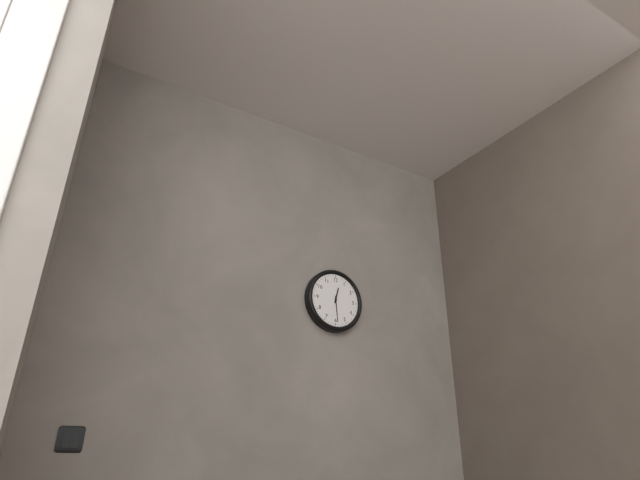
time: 12:29
